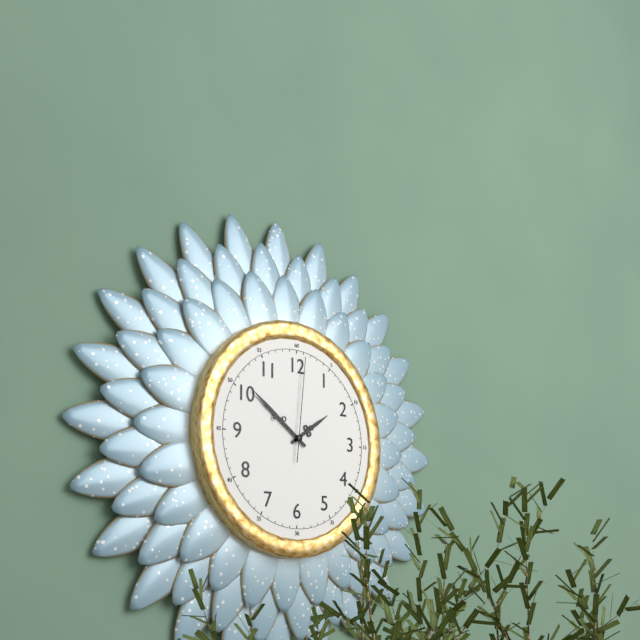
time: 1:51:01
